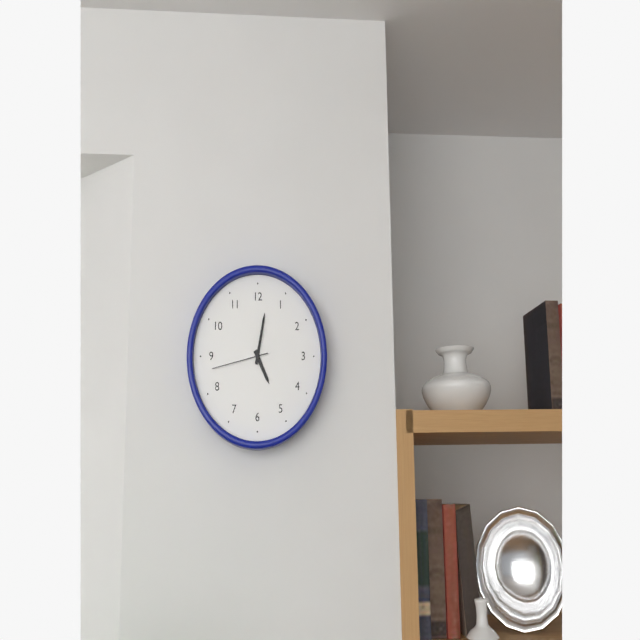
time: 5:02:43
